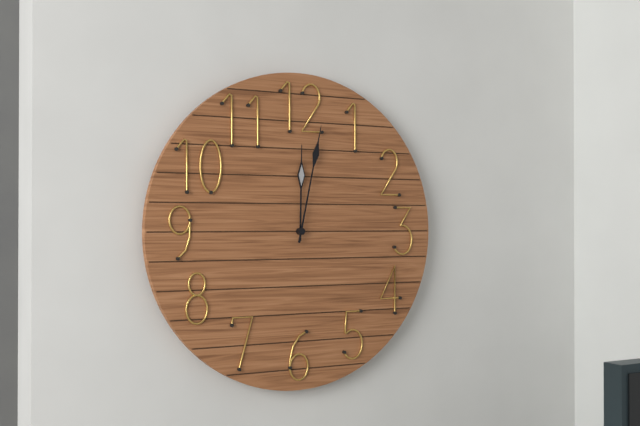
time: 12:02
